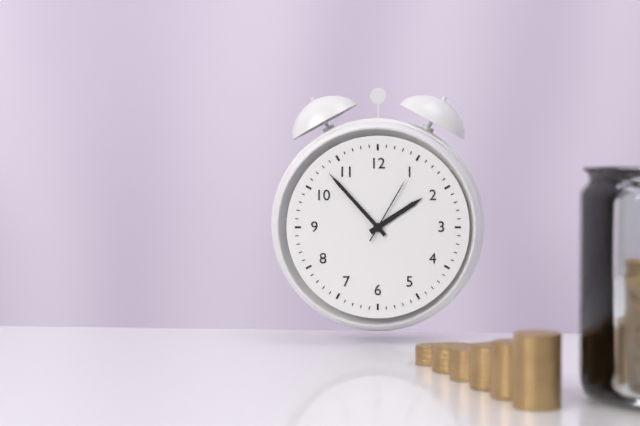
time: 1:53:05
